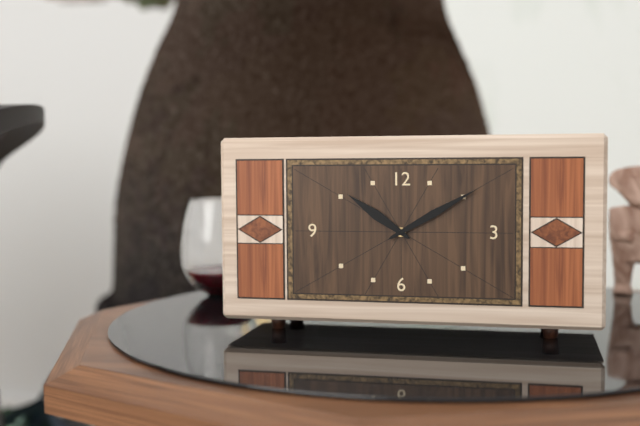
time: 10:10
